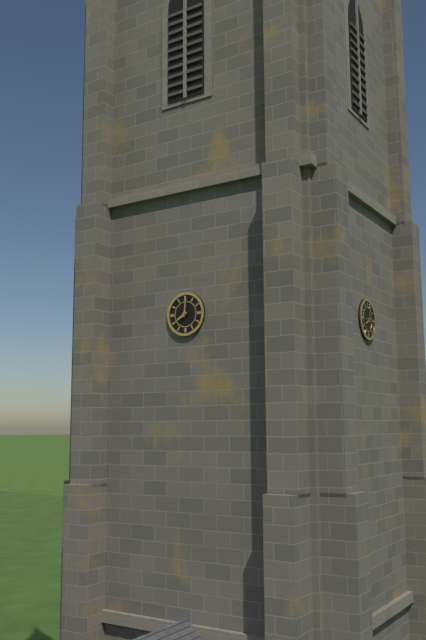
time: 8:01
